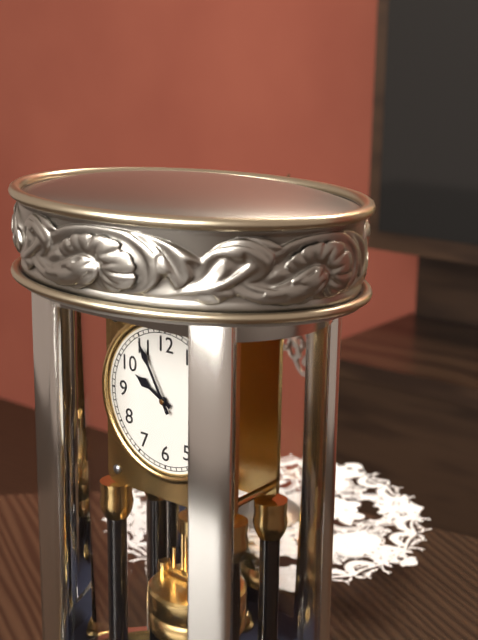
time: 9:55
